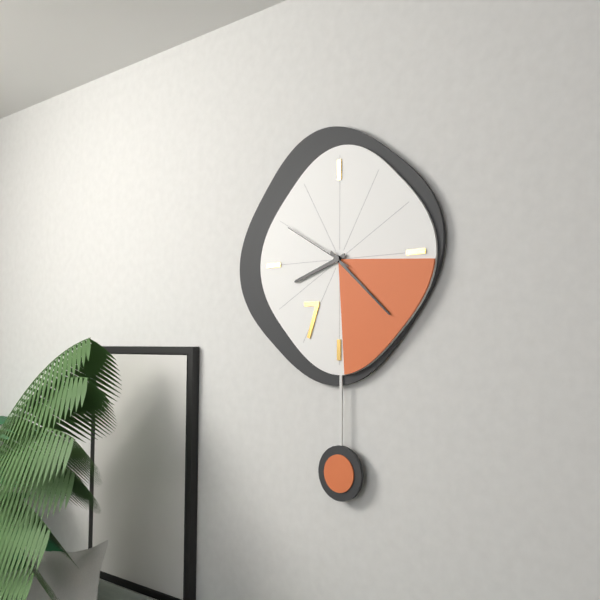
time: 8:22:50
